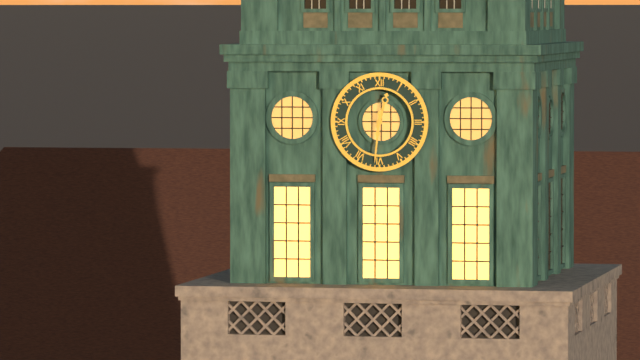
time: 12:31
